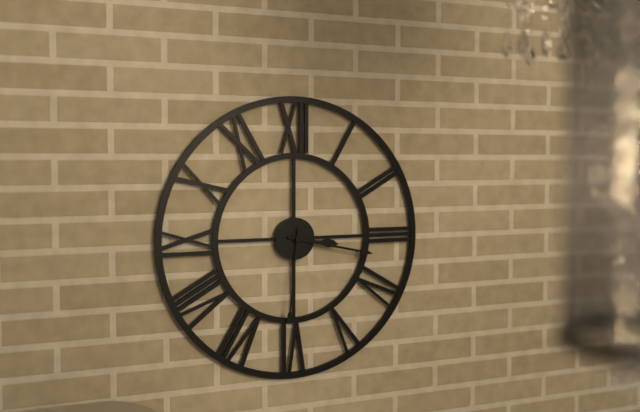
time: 3:17:31
